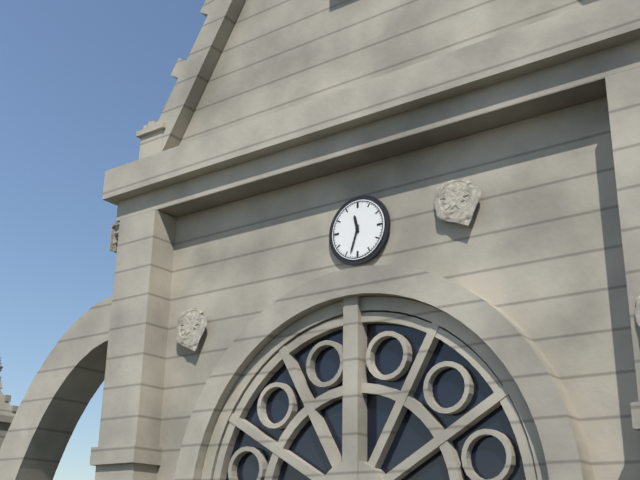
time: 11:33
